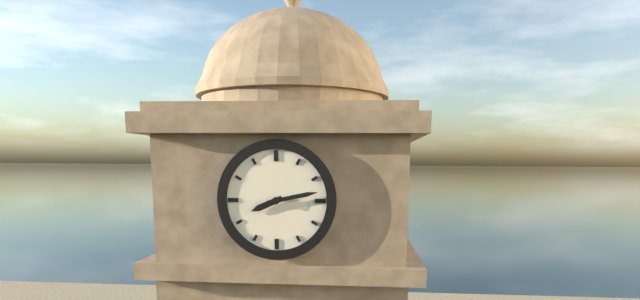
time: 8:13
